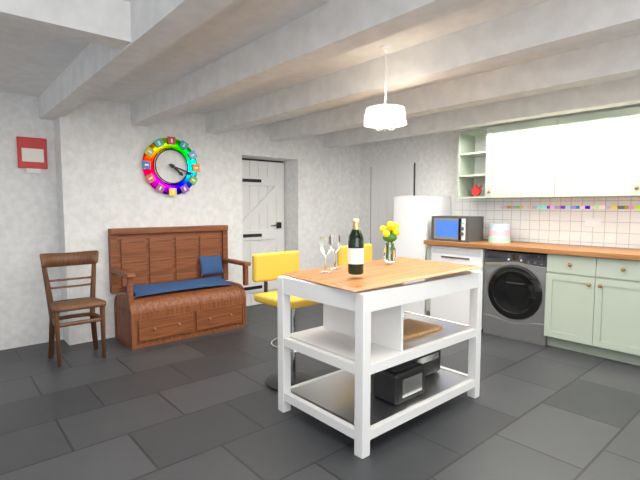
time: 4:18
